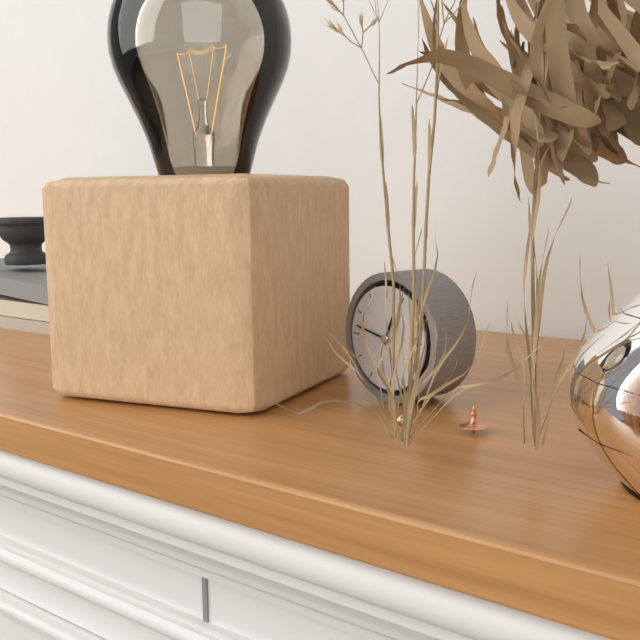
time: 12:47
